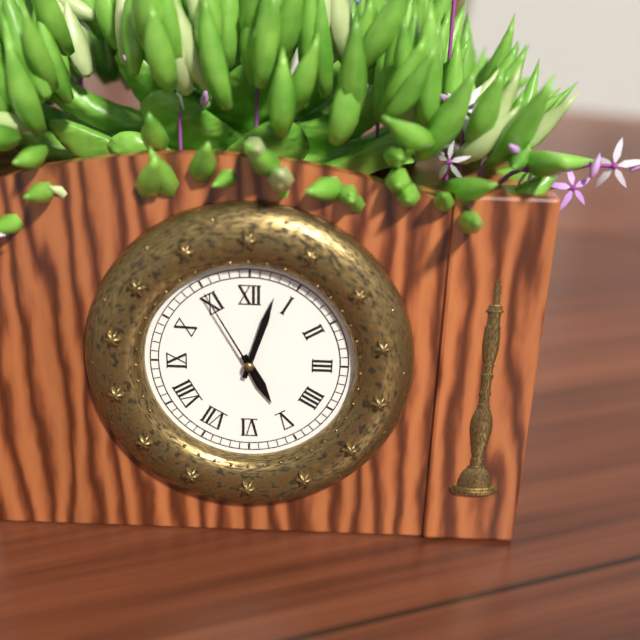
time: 5:03:55
